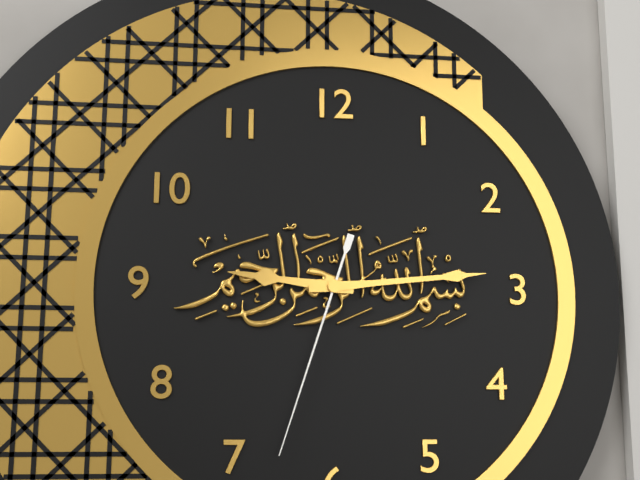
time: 9:14:33
